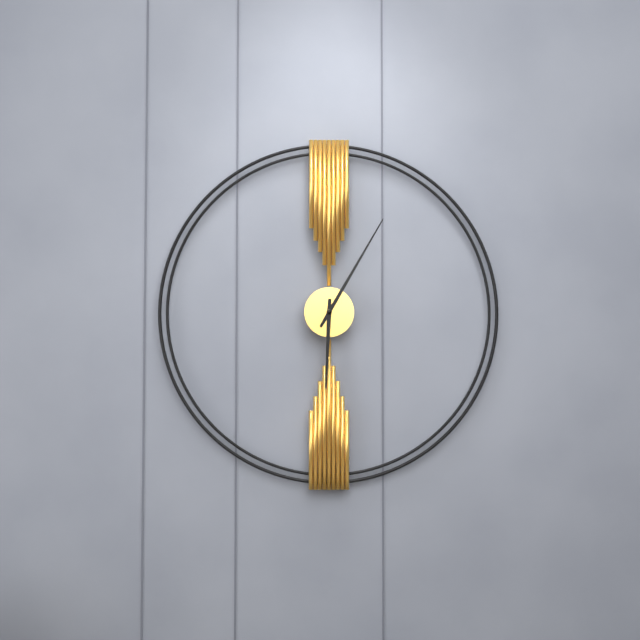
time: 6:05
